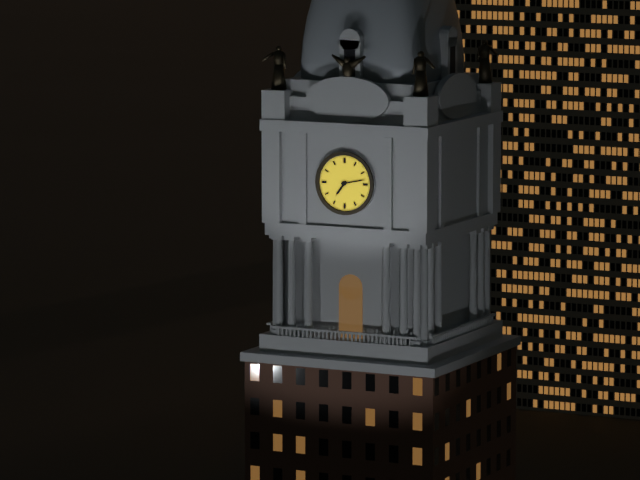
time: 7:13
